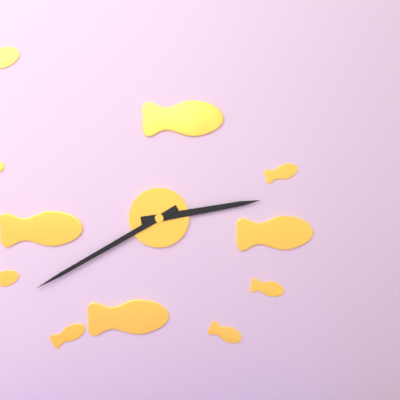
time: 2:40
